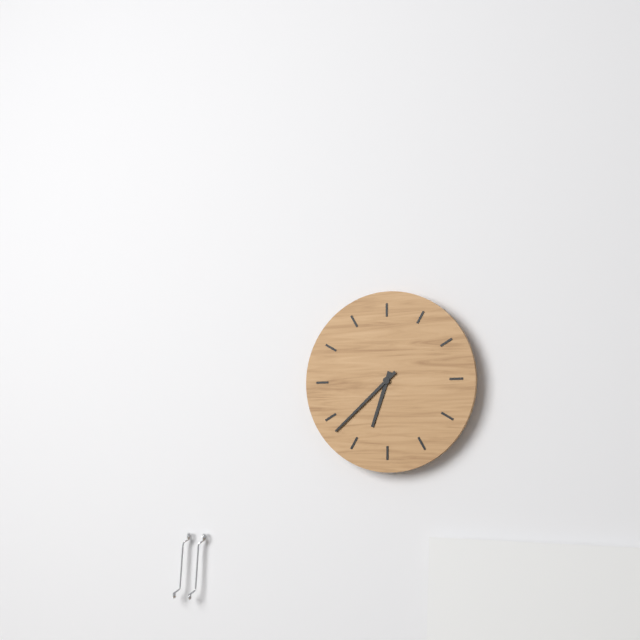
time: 6:38
